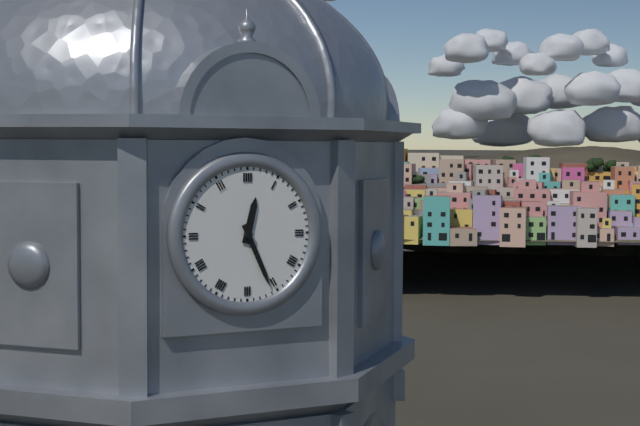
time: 12:26
